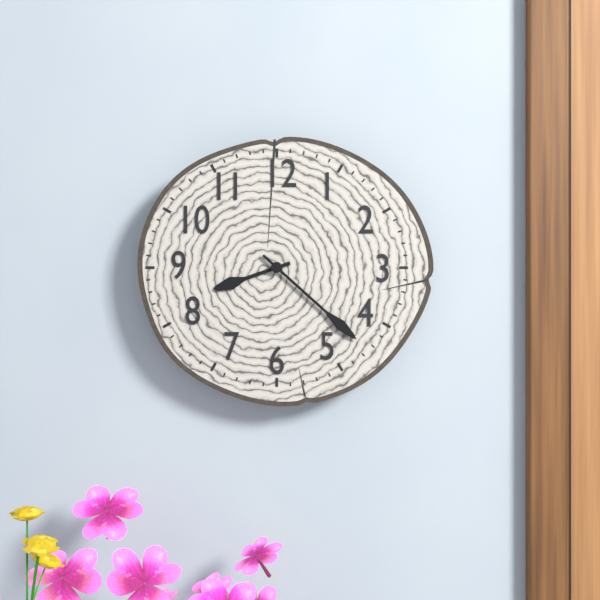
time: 8:22
